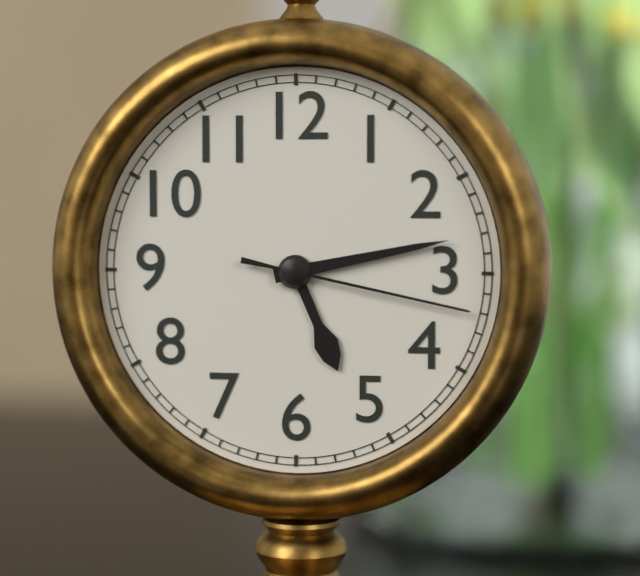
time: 5:13:17
